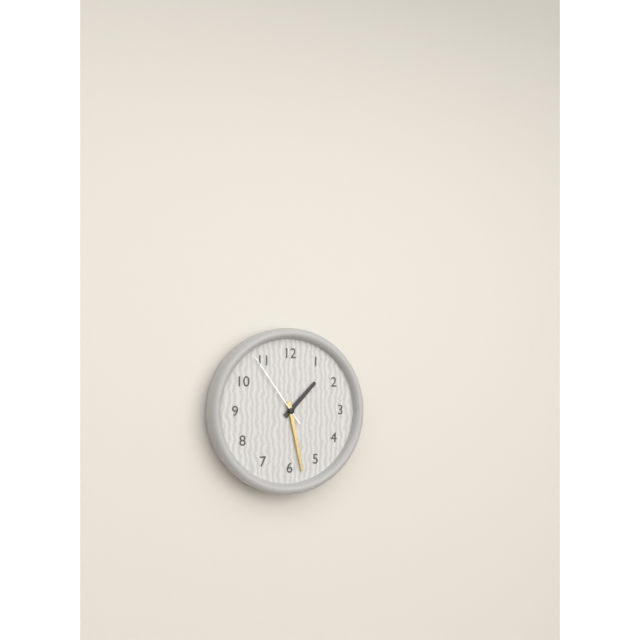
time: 1:28:54
